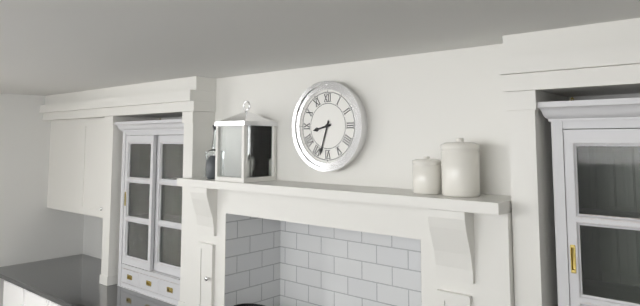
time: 8:33
